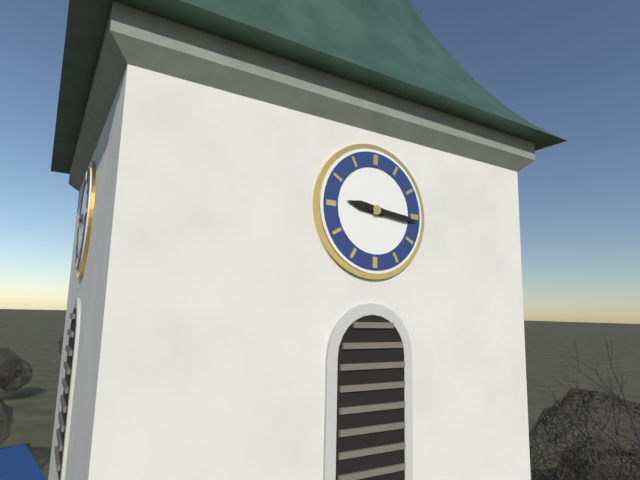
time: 9:16
